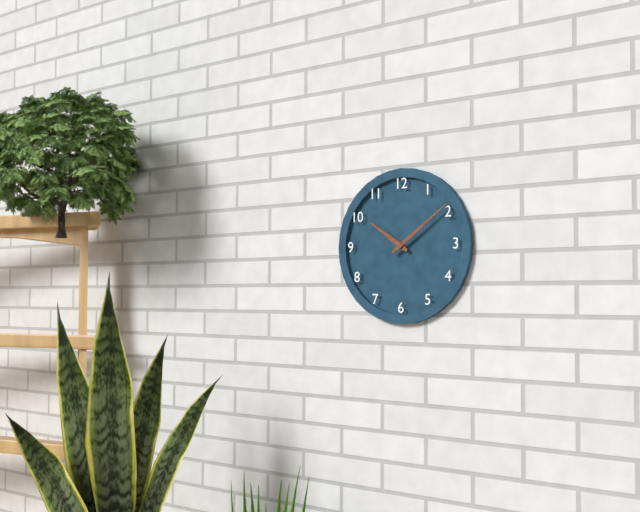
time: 10:09
